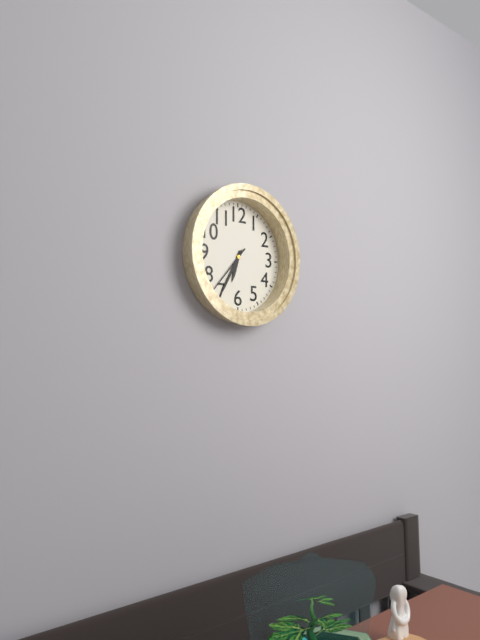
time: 6:35:37
